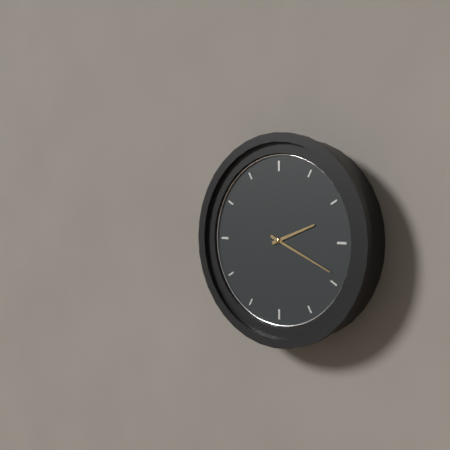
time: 2:19
